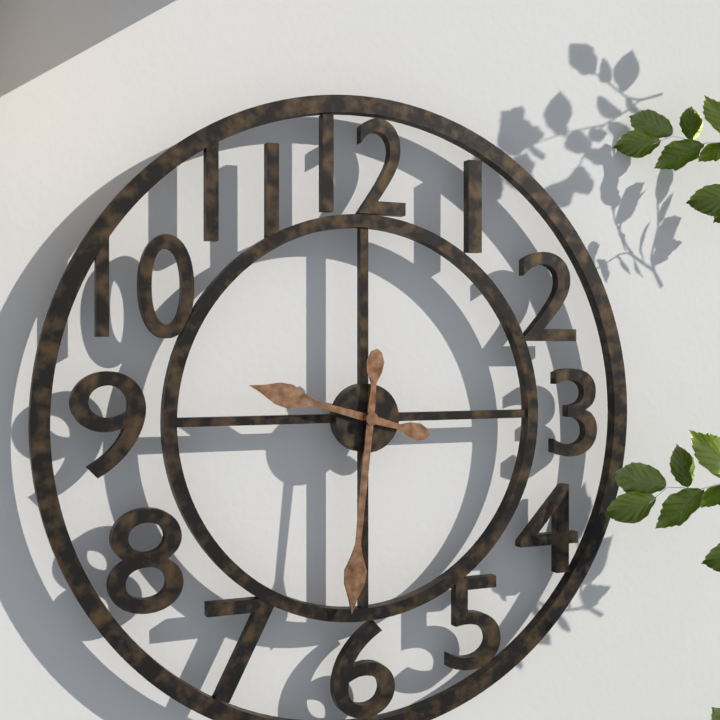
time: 9:31
